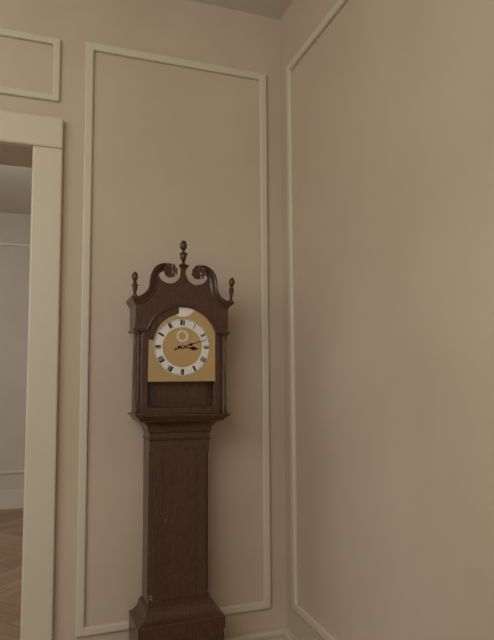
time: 3:12
